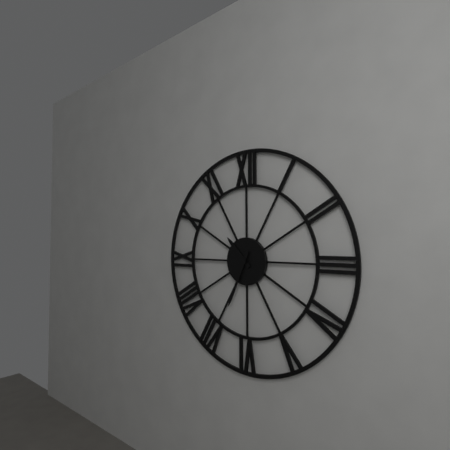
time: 10:34
